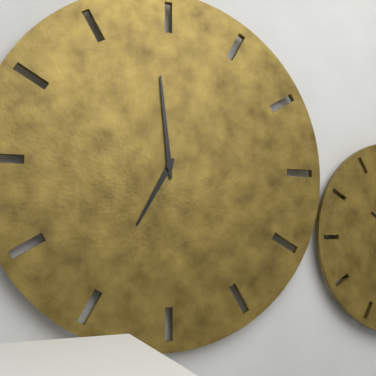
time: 6:59
